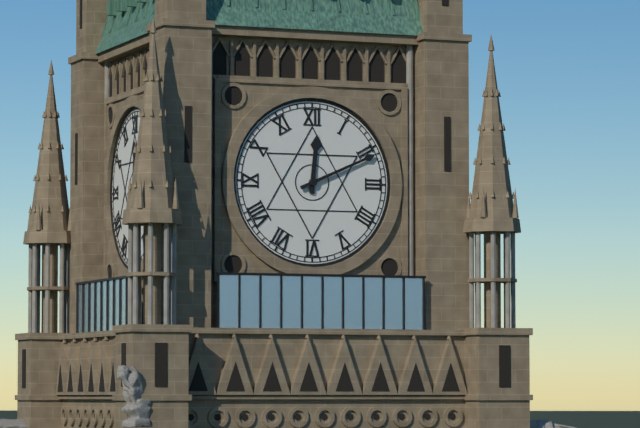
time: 12:11
